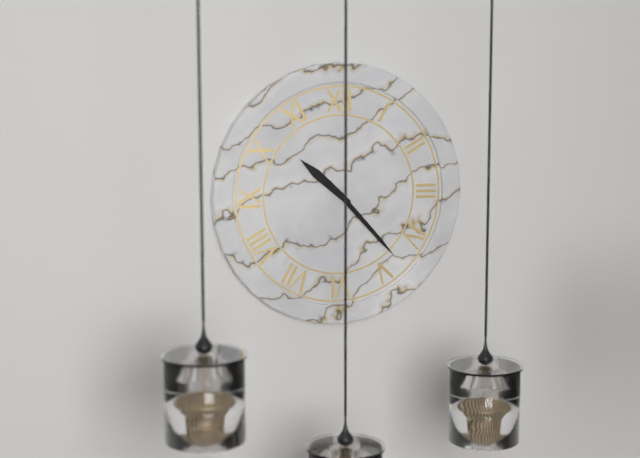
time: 10:23
